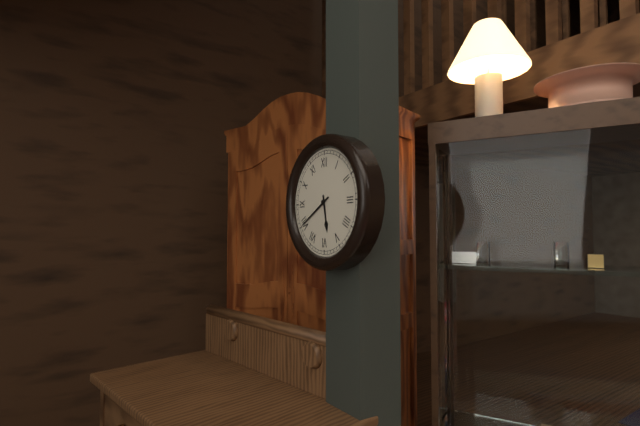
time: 5:40
